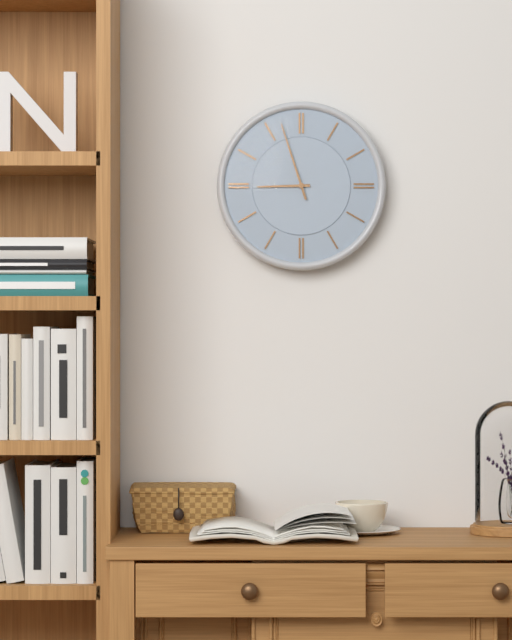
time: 8:57
